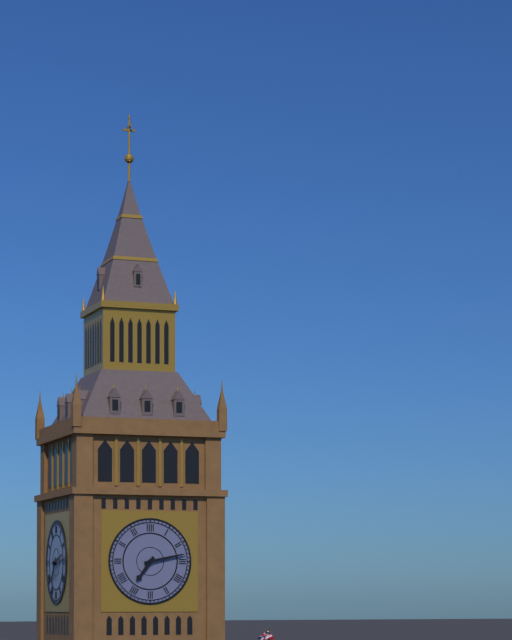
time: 7:13
